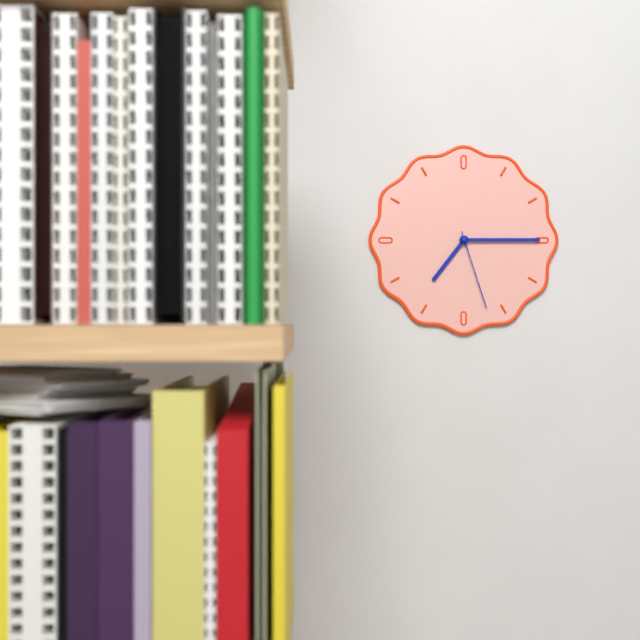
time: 7:15:27
